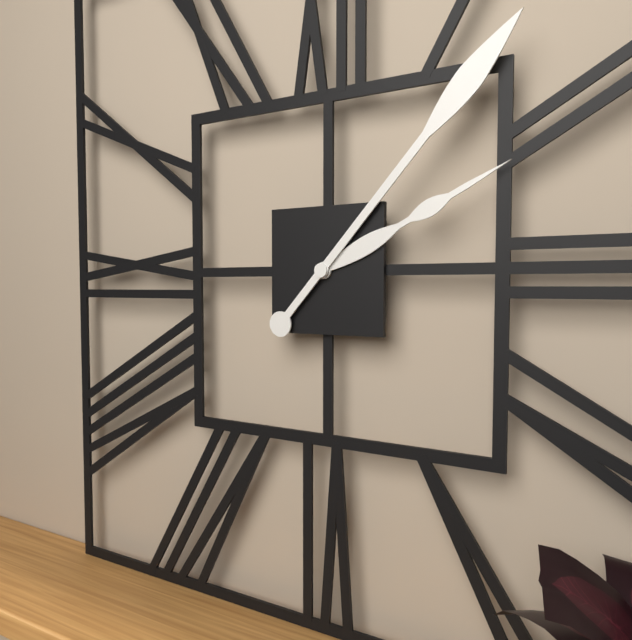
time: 2:07
